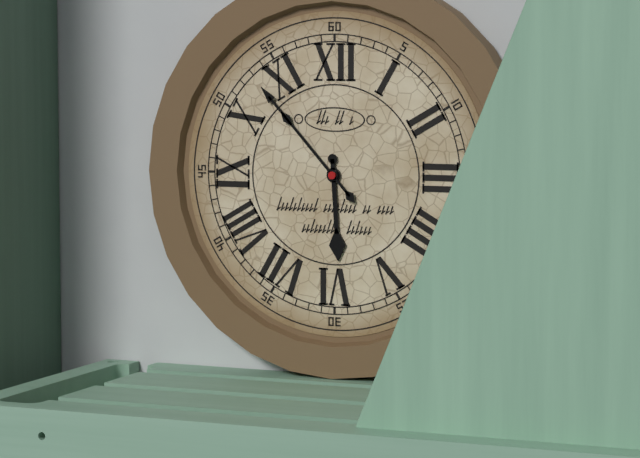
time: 5:53
